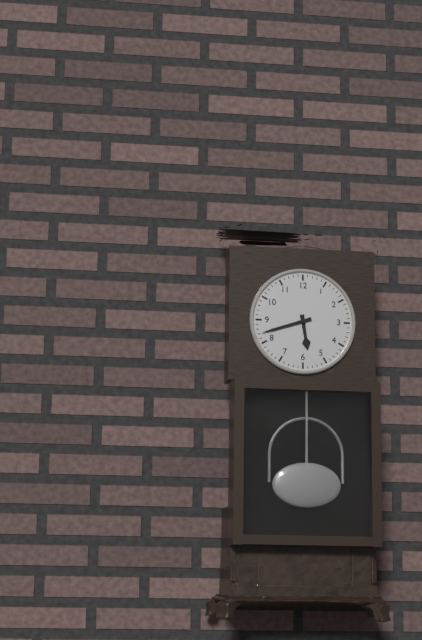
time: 5:42
